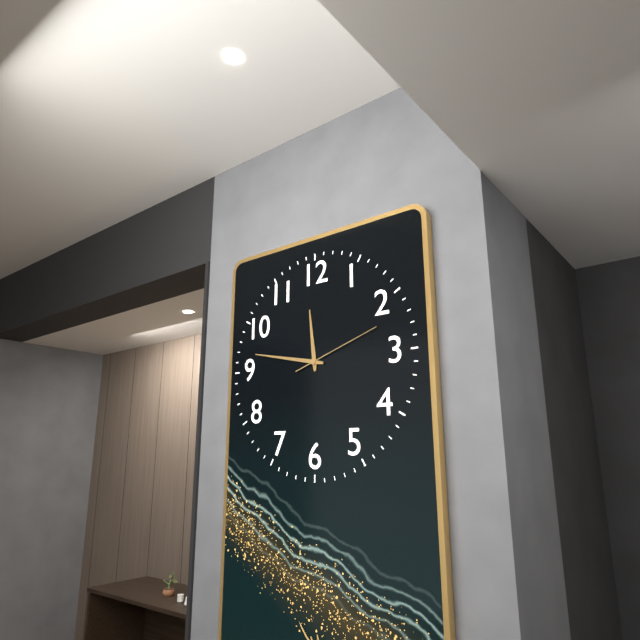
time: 11:47:12
